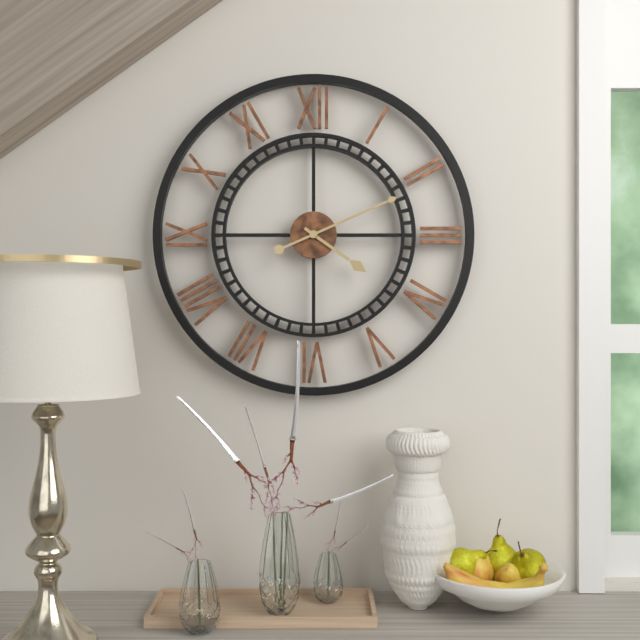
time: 4:11
